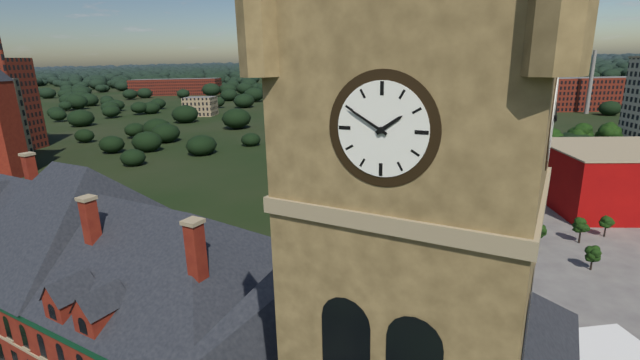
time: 1:50
